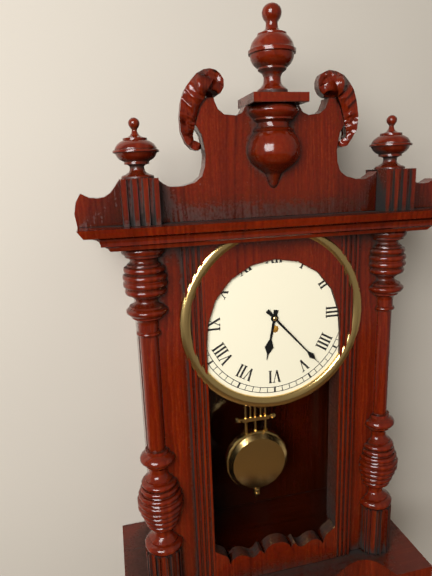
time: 6:23
